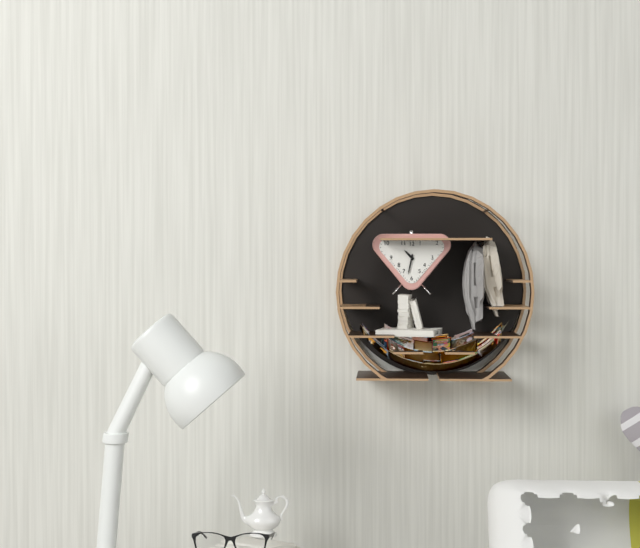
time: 10:32
